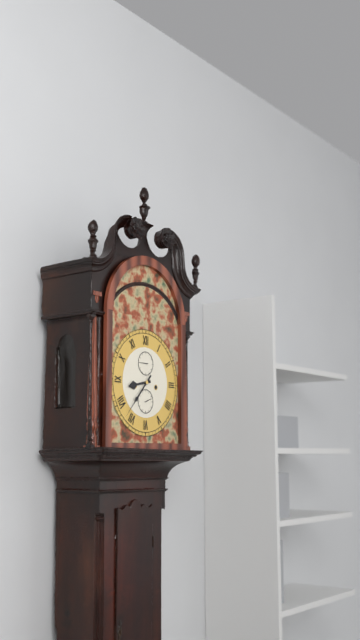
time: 8:37
